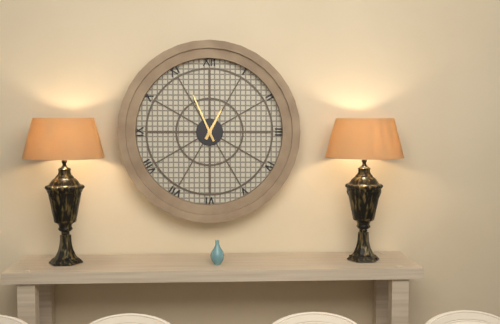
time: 12:56
